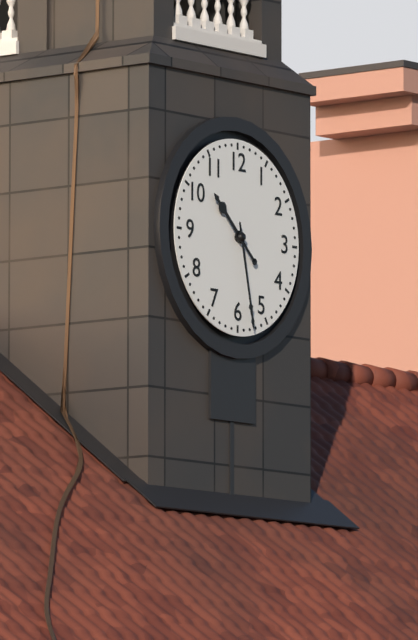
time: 10:28
